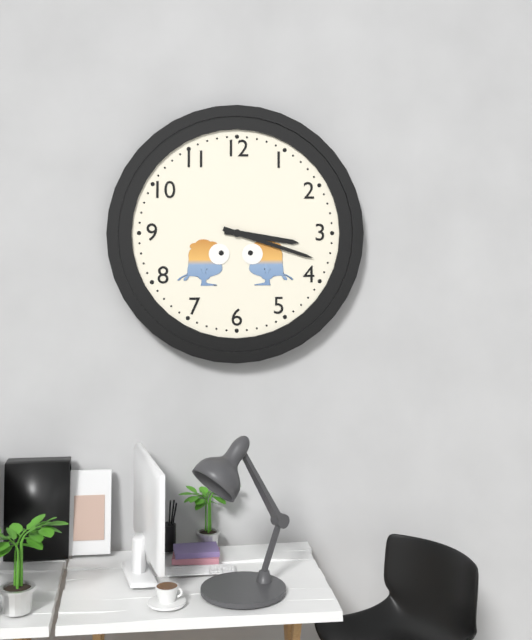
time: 3:18
